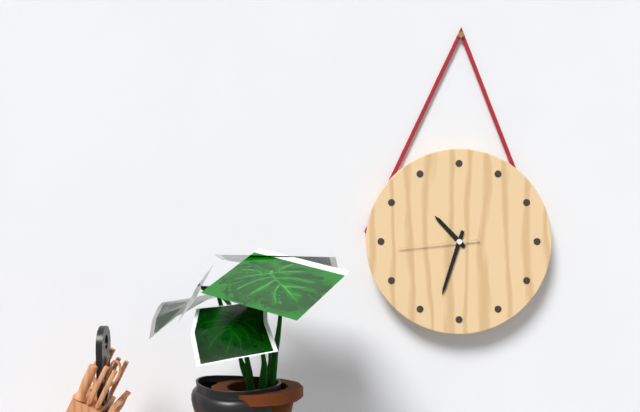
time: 10:33:44
